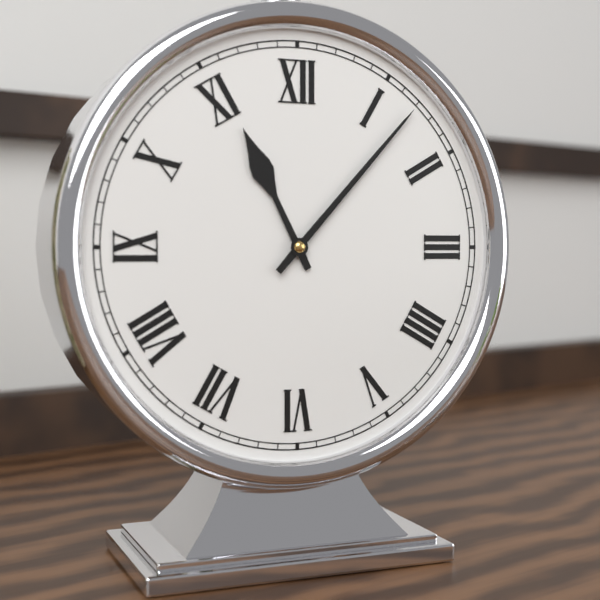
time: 11:07
